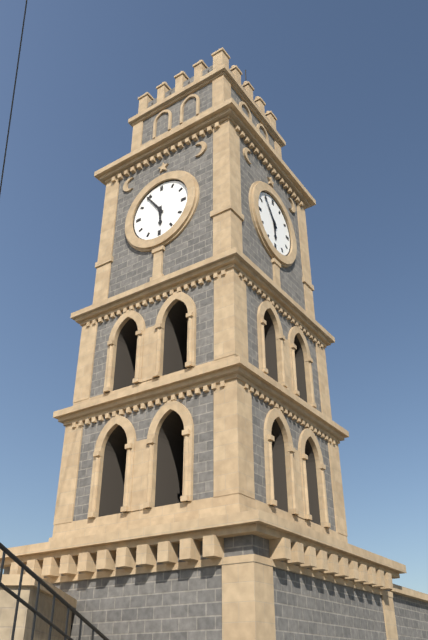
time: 5:54
